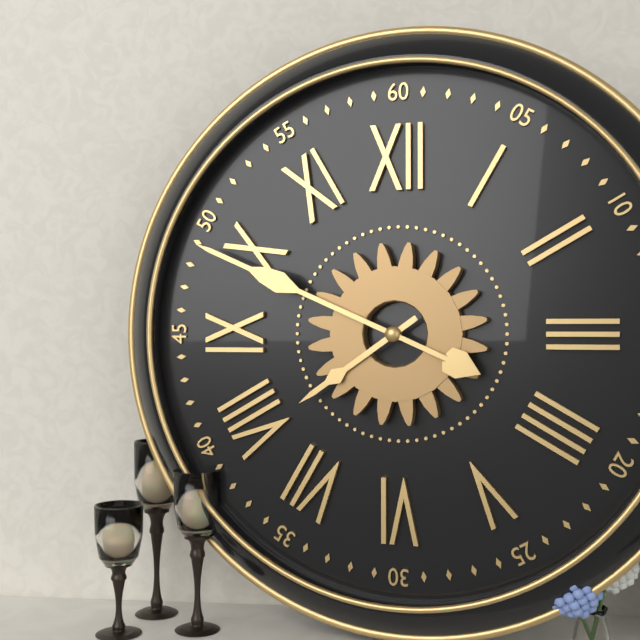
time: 7:49
